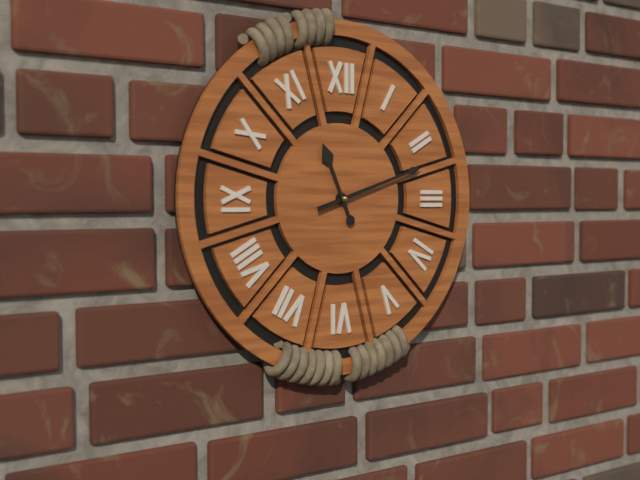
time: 11:12
